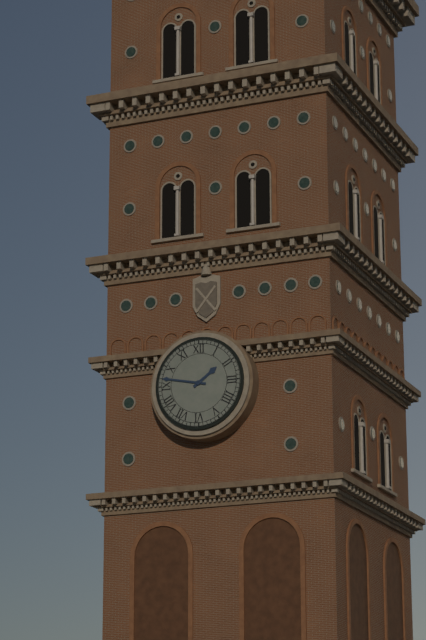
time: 1:47
